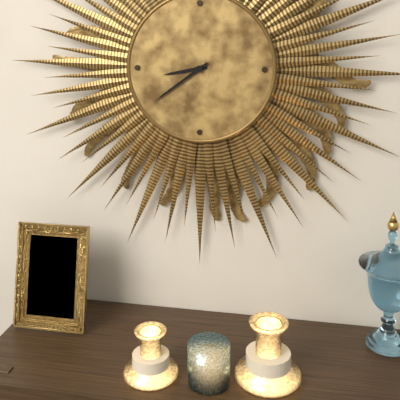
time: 8:39
